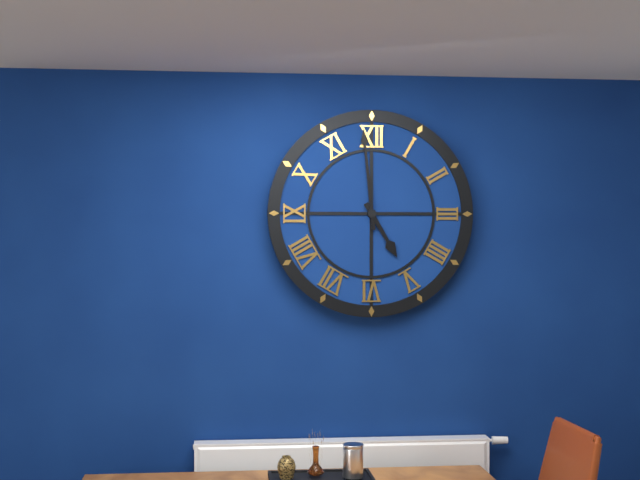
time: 4:59
